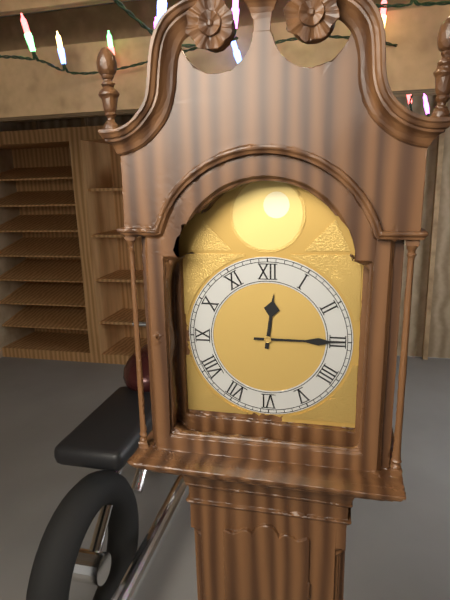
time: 12:15
